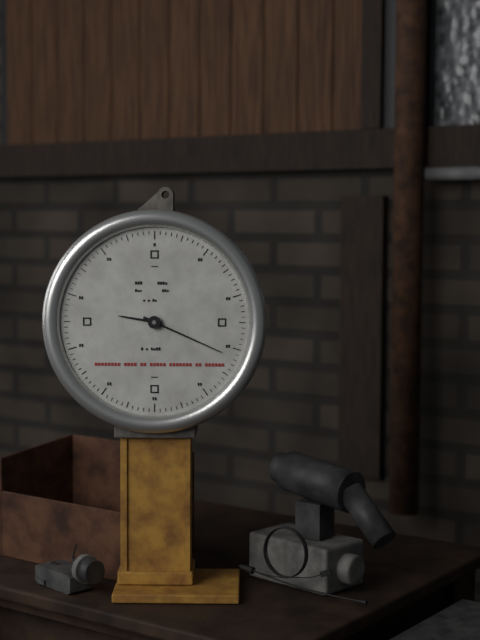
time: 9:19
